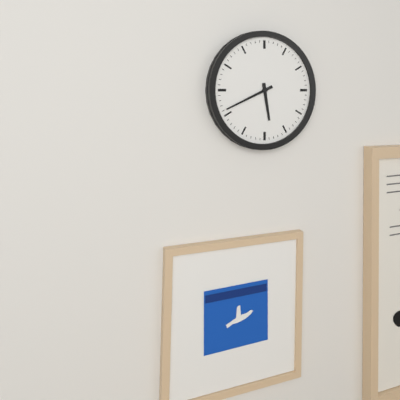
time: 5:41
